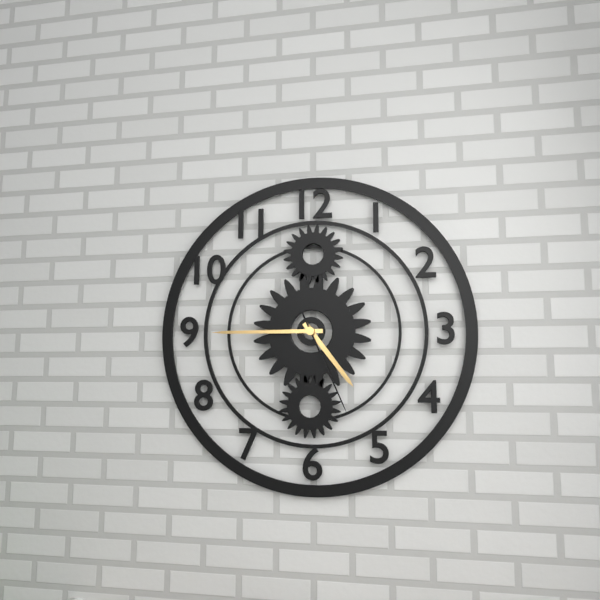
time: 4:45:26
